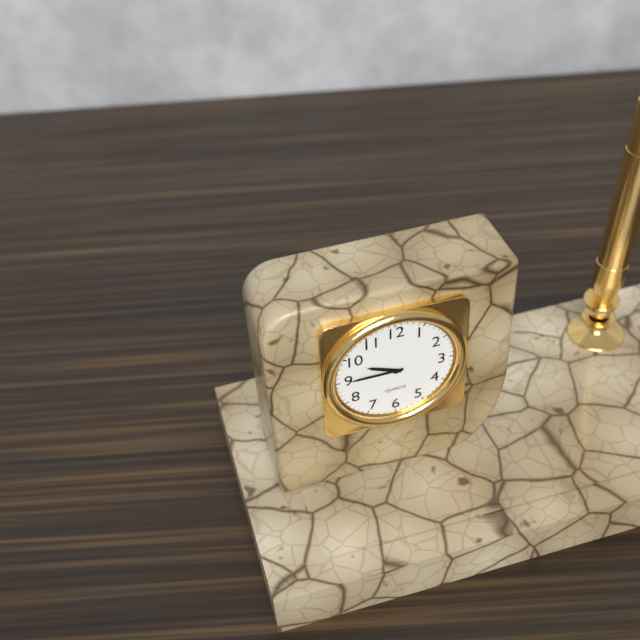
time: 9:45
